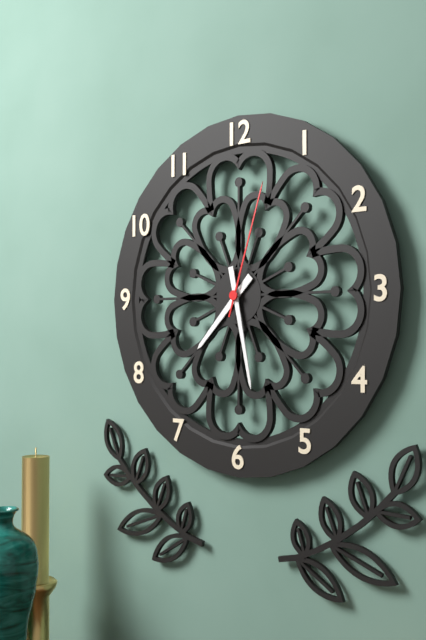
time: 7:28:03
